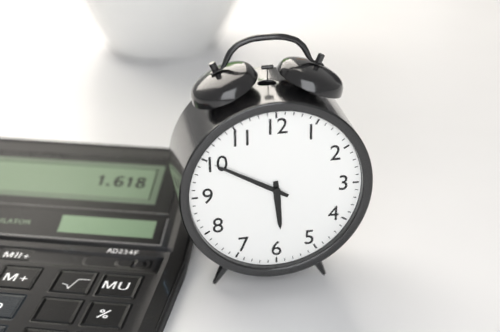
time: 5:50
